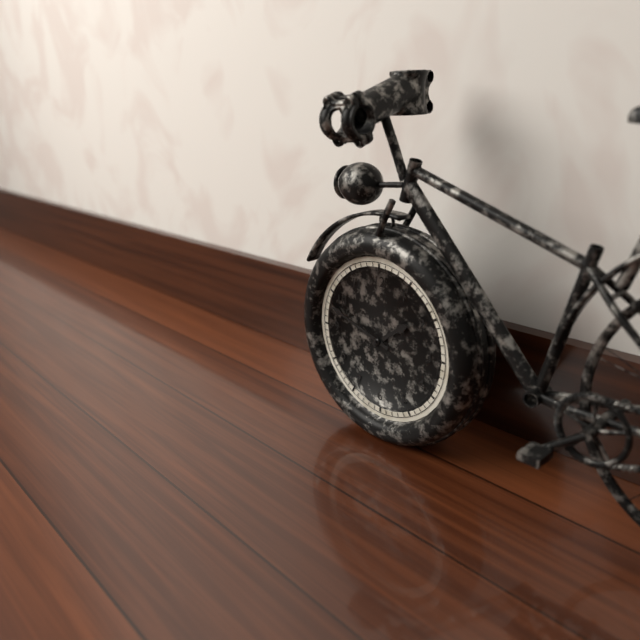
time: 1:48
